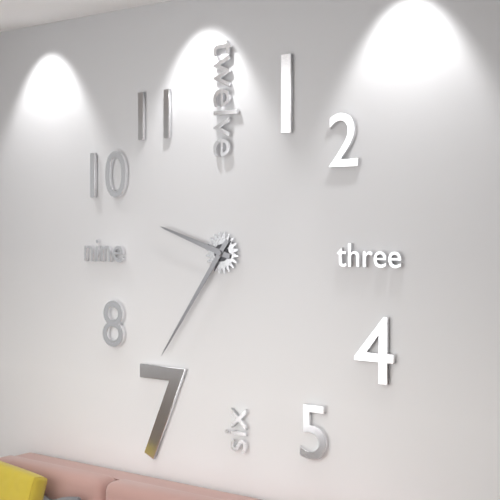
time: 9:36
